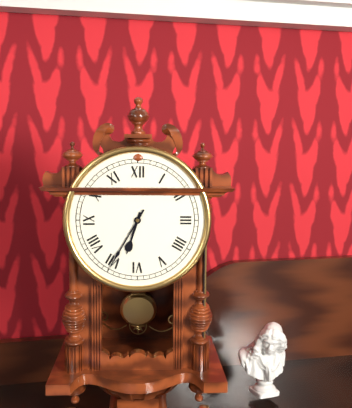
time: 6:35
